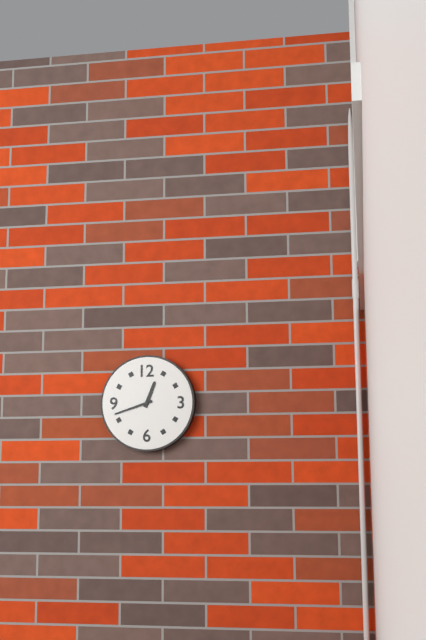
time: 12:42
